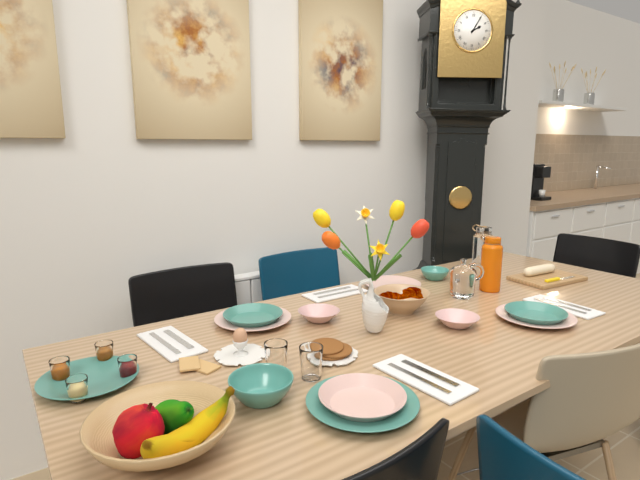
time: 2:05
